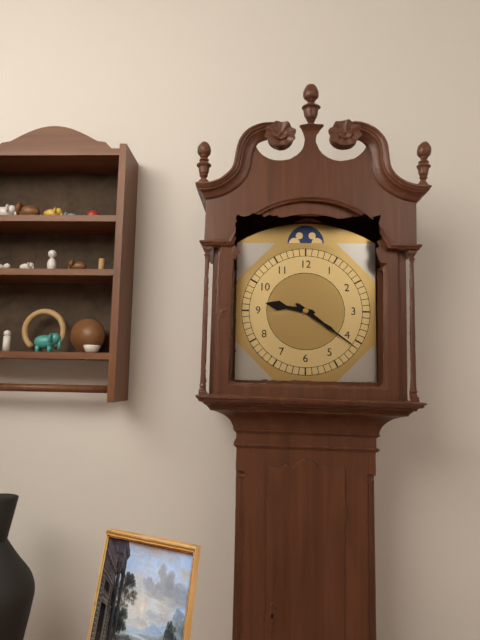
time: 9:21
